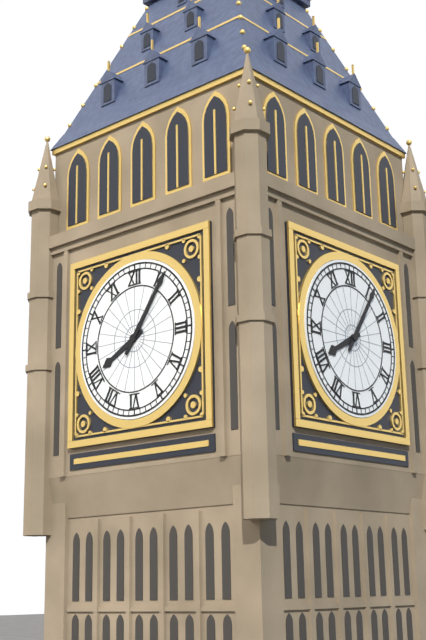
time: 8:06
